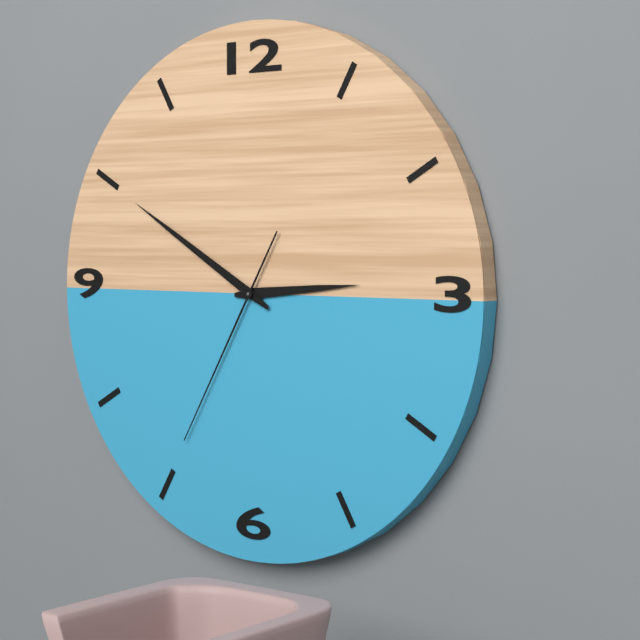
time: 2:50:35
